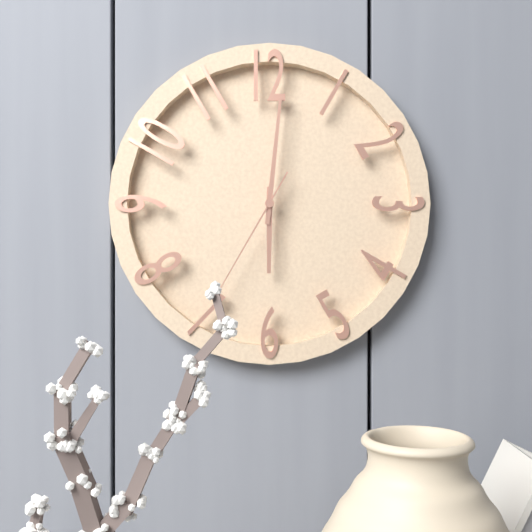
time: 6:01:35
